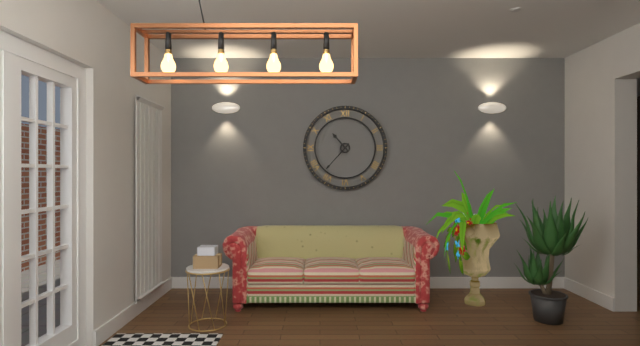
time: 10:37
